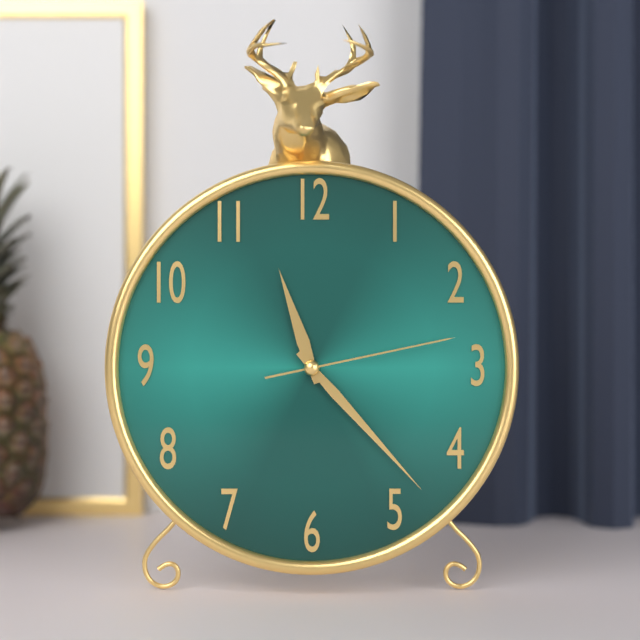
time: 11:23:13
